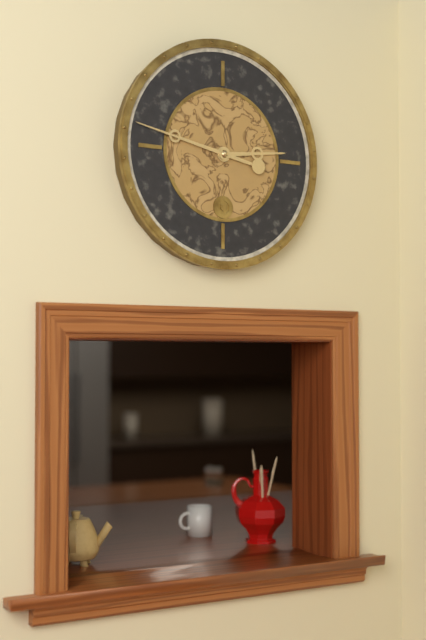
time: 2:47
